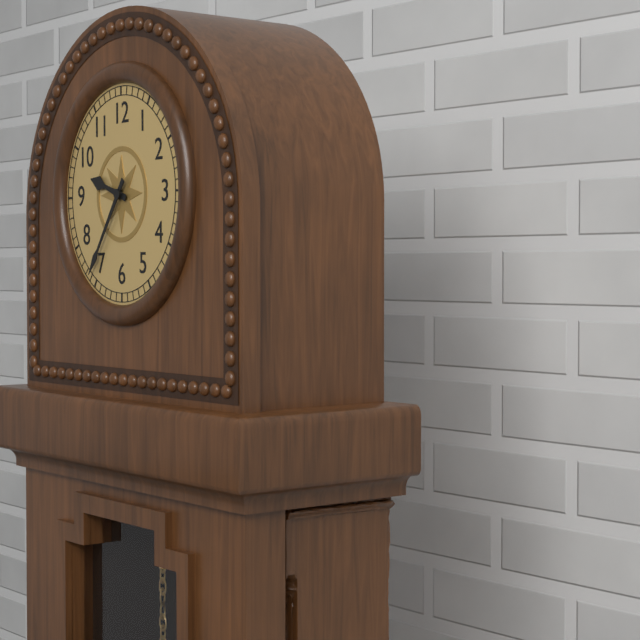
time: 9:36
